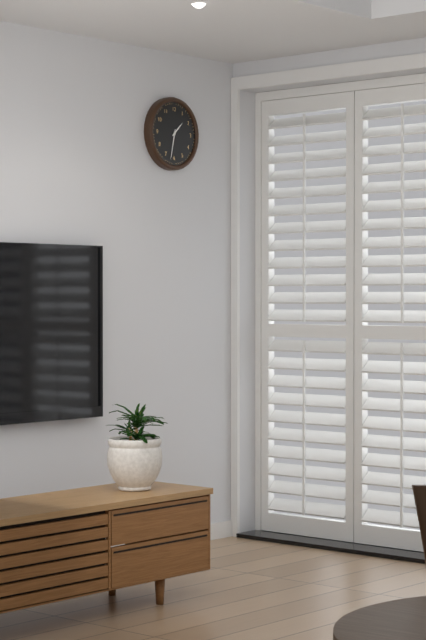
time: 1:32
